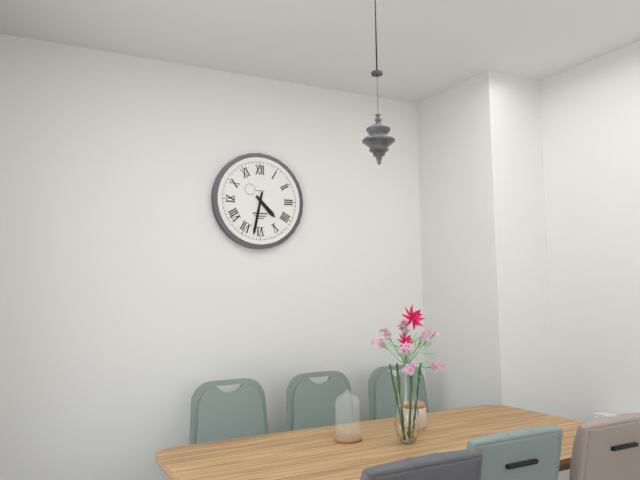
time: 4:32
